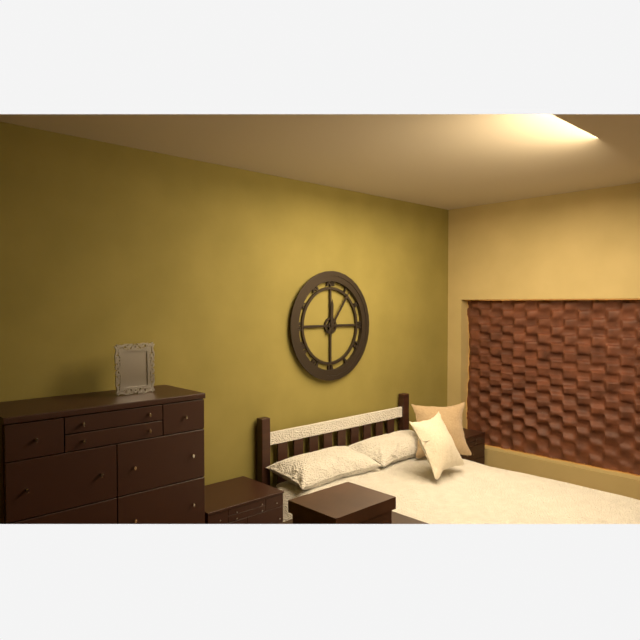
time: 12:06
